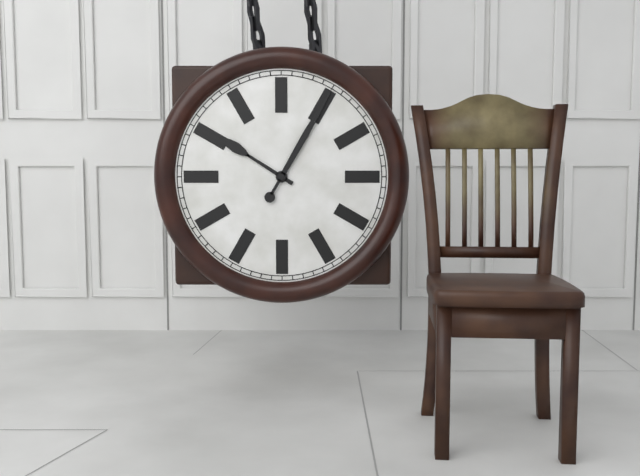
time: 10:05
